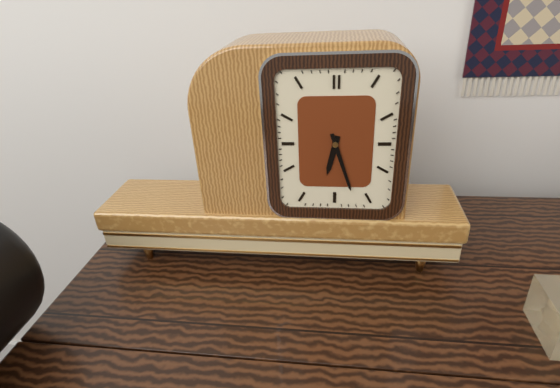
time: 6:27
